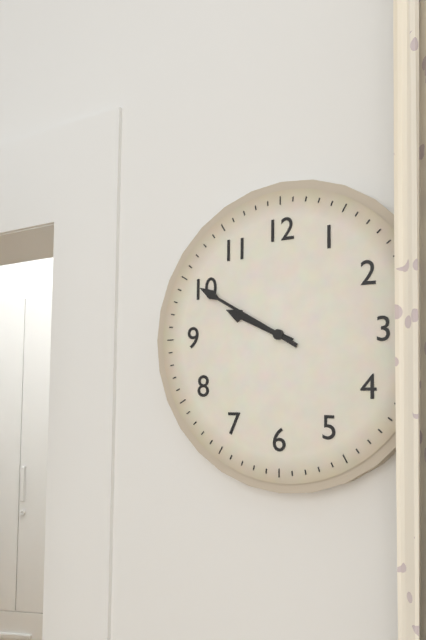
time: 9:50
